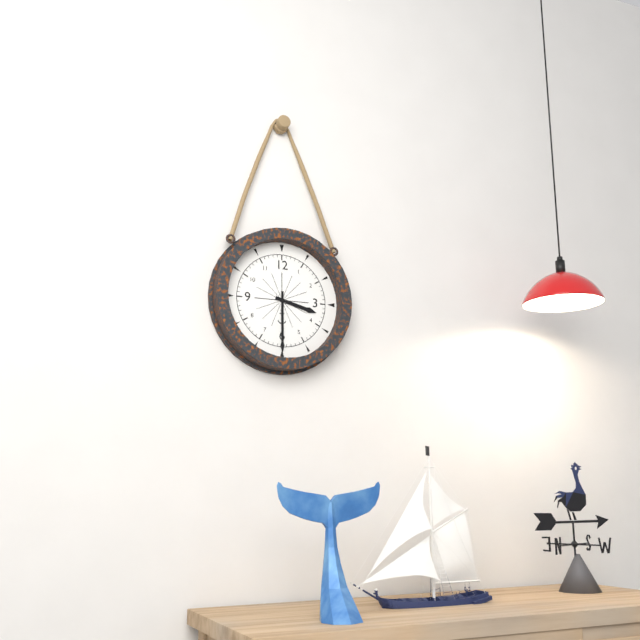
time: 3:30
